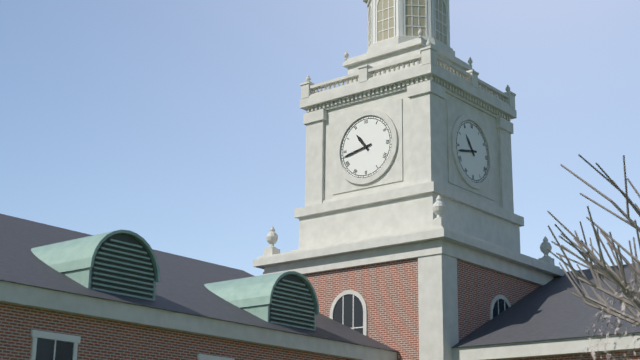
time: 10:43
